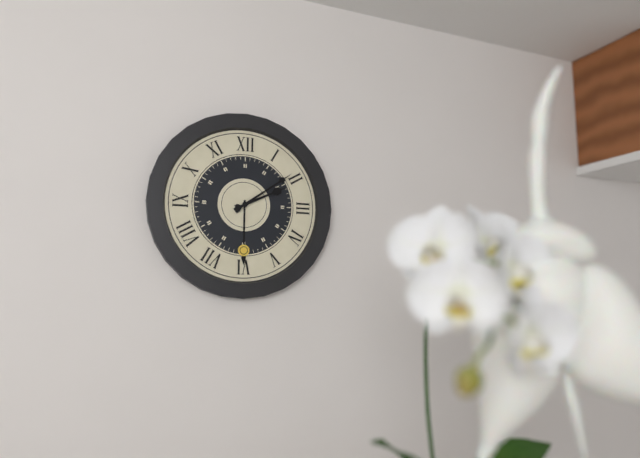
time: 2:09
